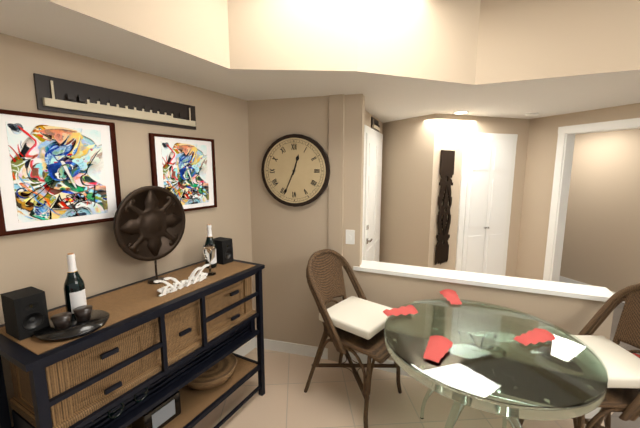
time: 12:34
